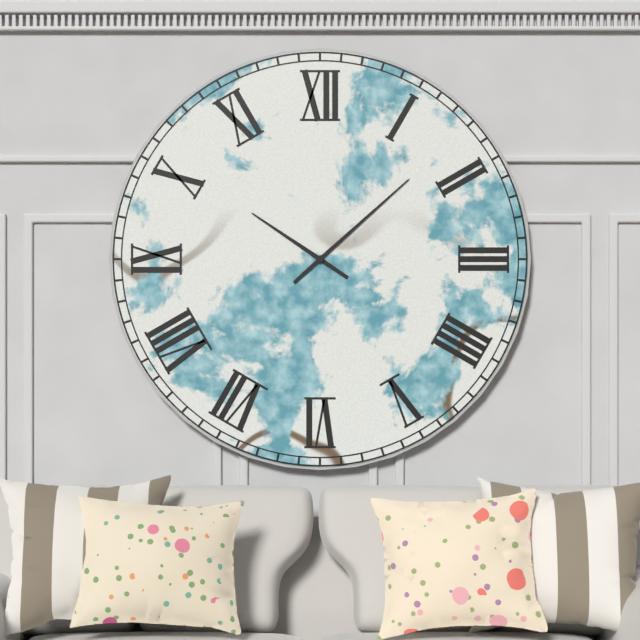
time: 10:08
